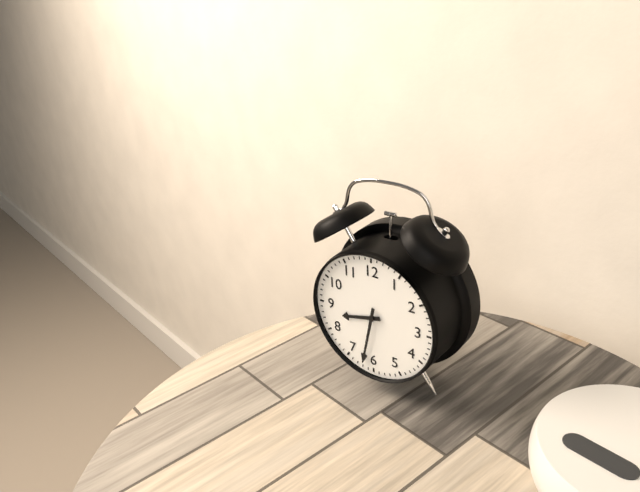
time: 8:32
